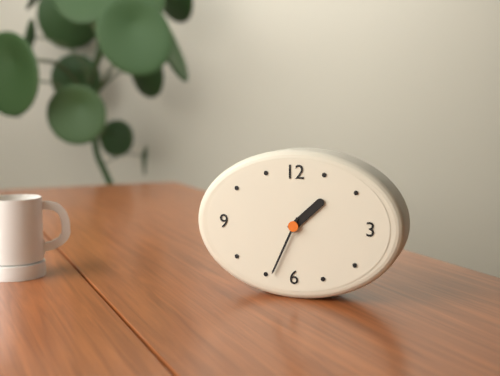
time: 1:34
